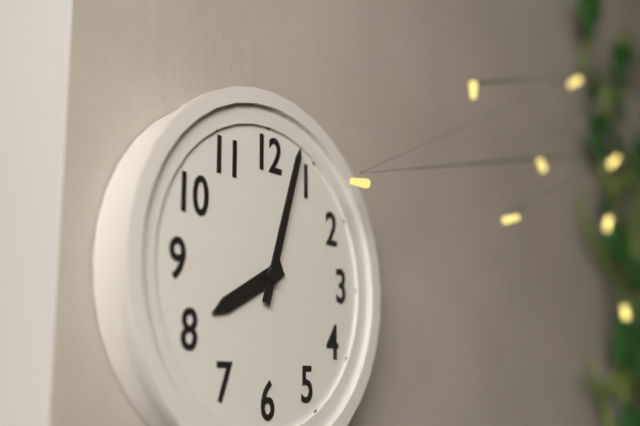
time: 8:03
